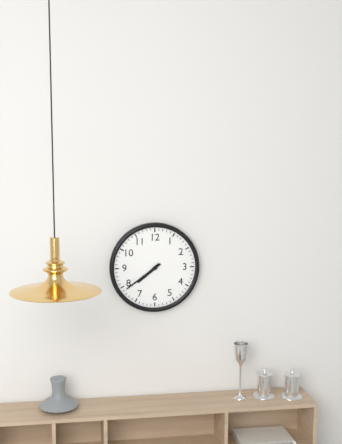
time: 7:39
